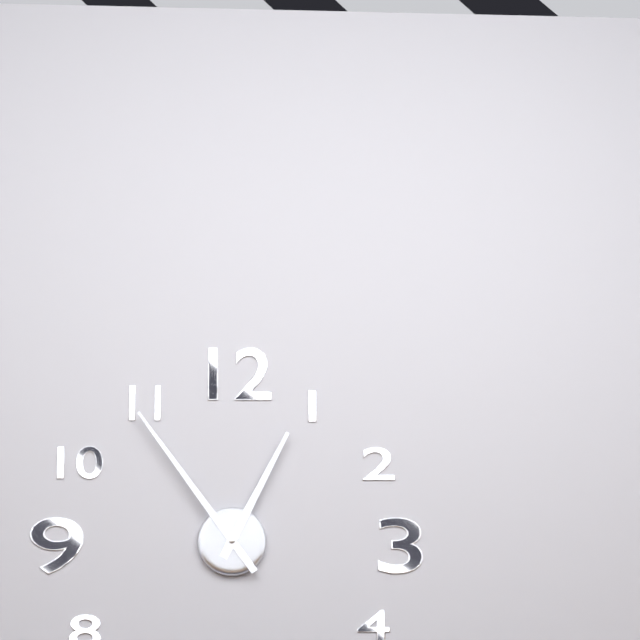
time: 12:54
